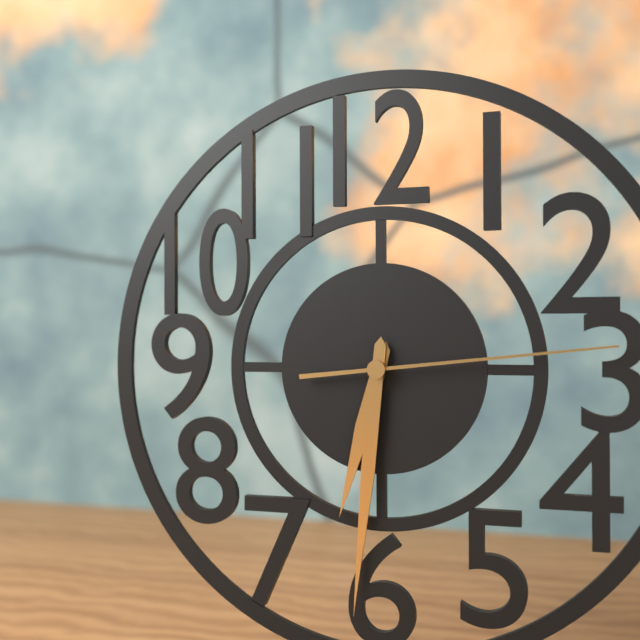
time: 6:31:14
